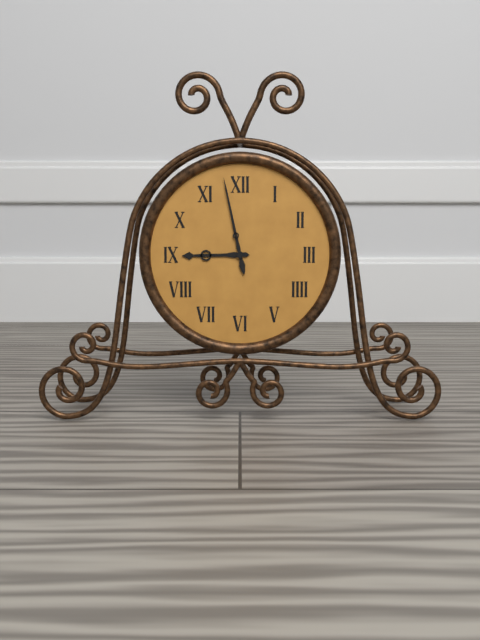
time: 8:58
